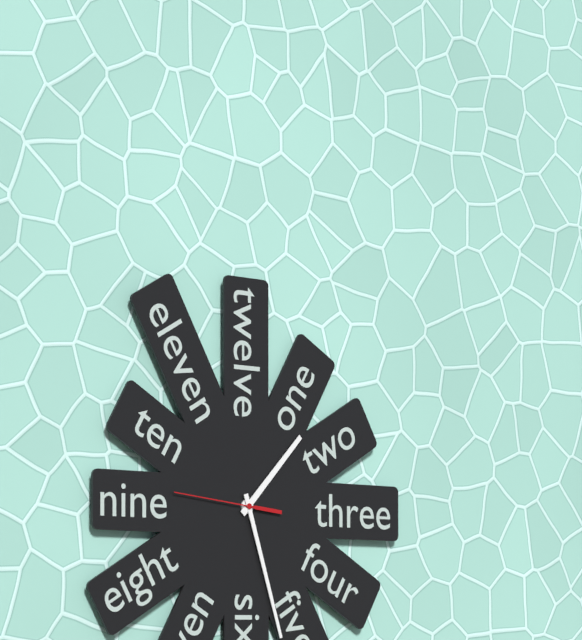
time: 1:27:46
